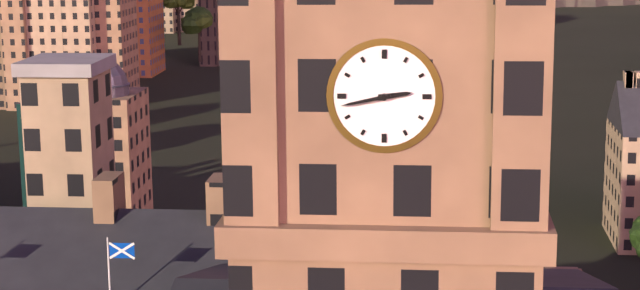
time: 2:43
